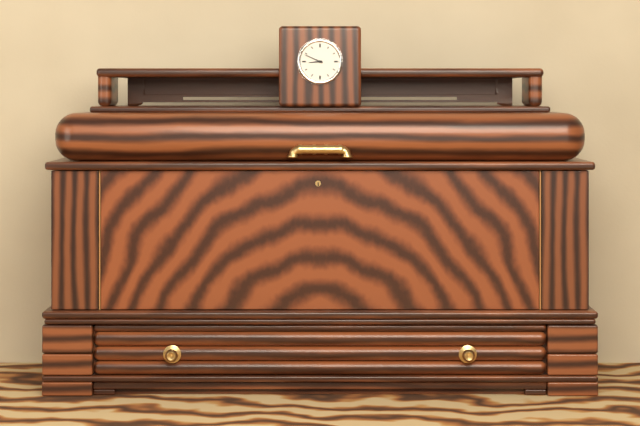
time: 8:49
